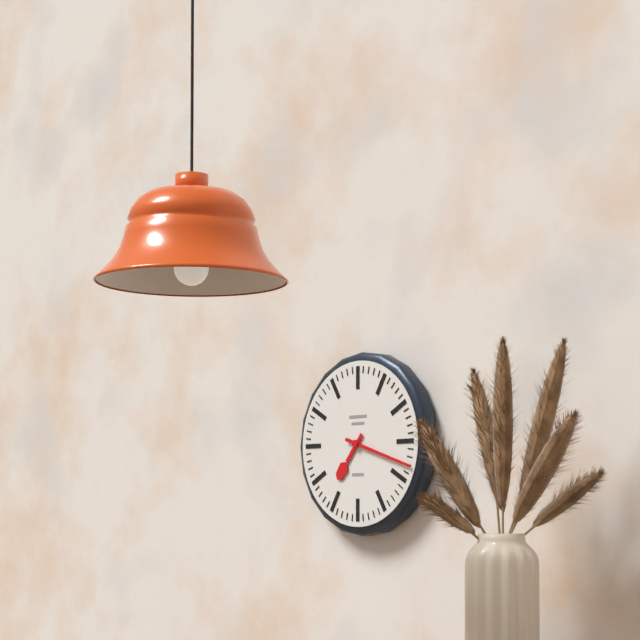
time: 7:18
